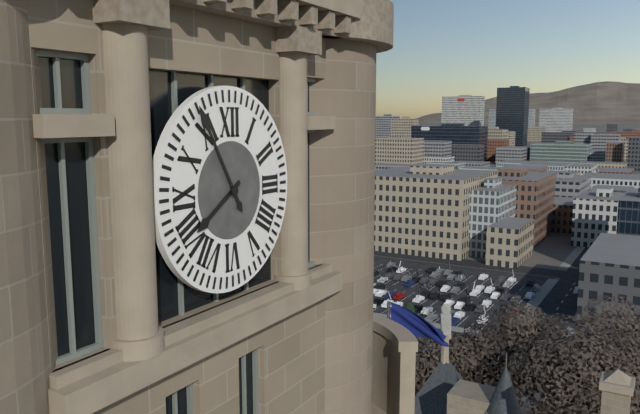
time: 7:55
